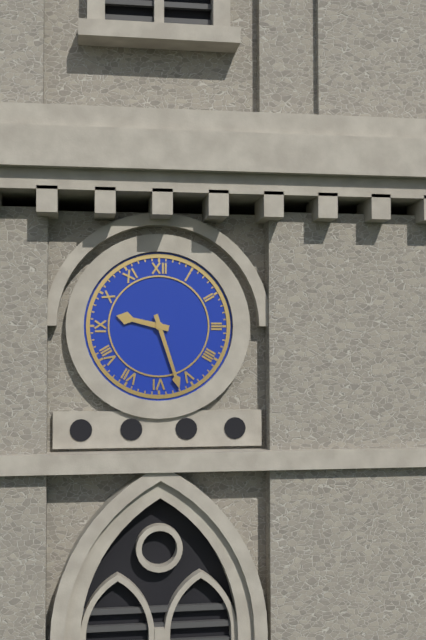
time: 9:27
